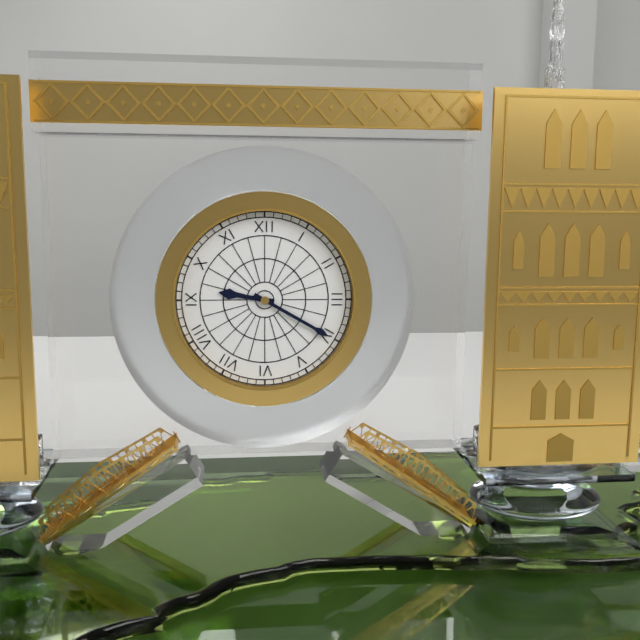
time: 9:20
